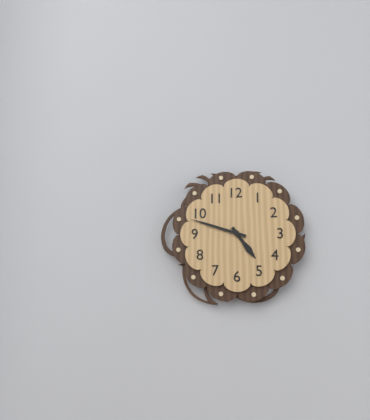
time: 4:48
